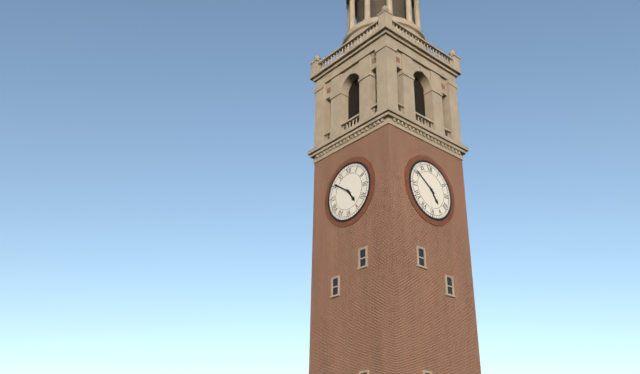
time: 4:51
